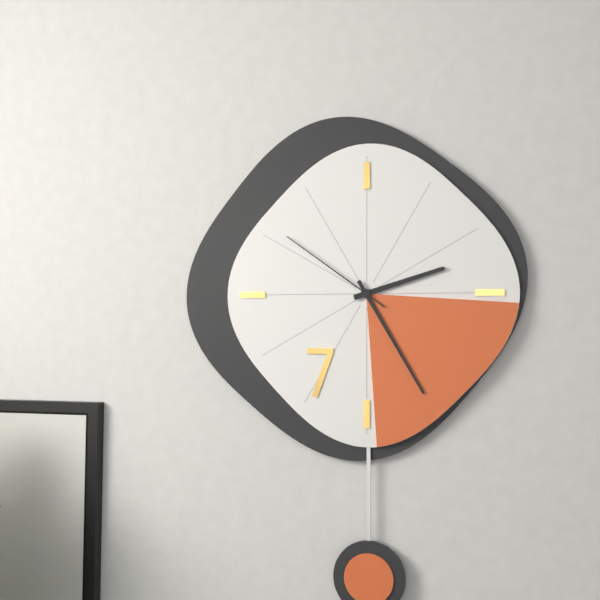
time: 2:25:51
